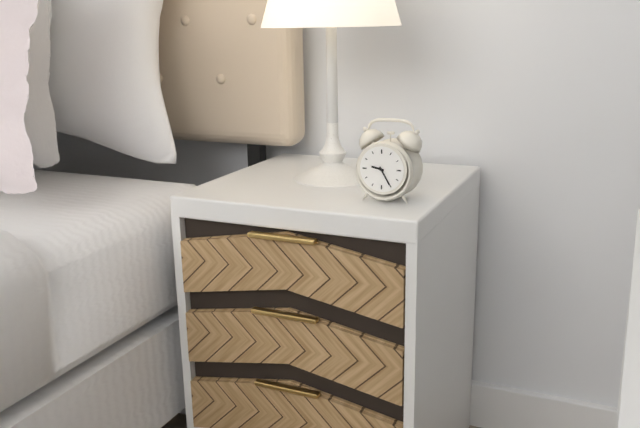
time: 9:25
